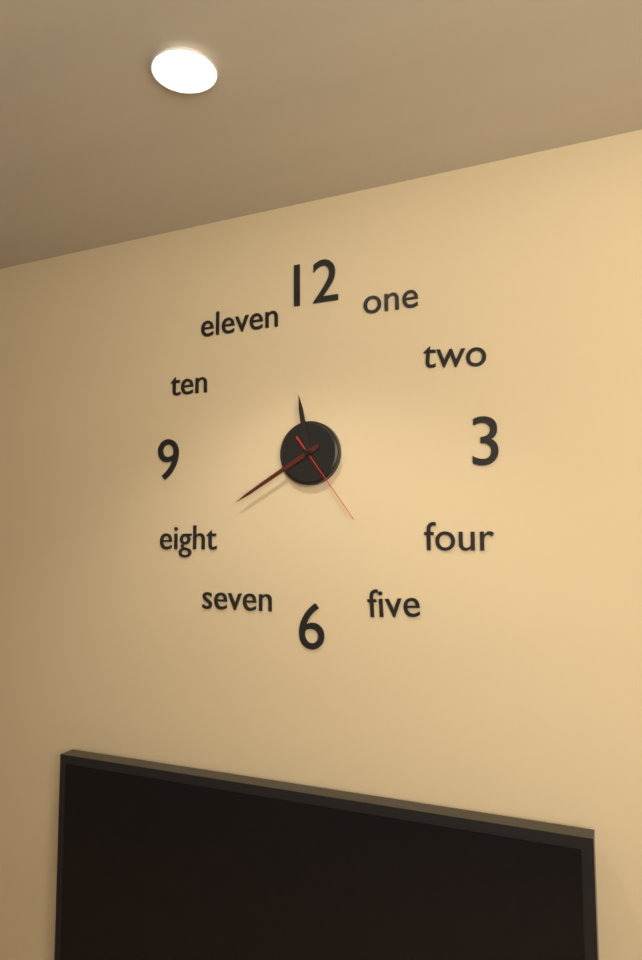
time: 11:40:24
